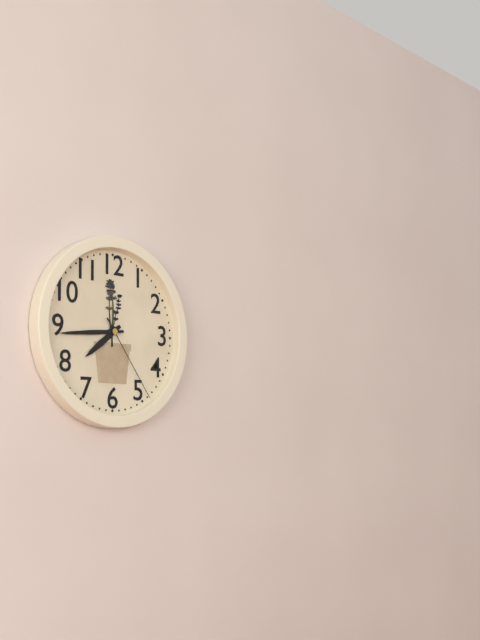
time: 7:44:24
